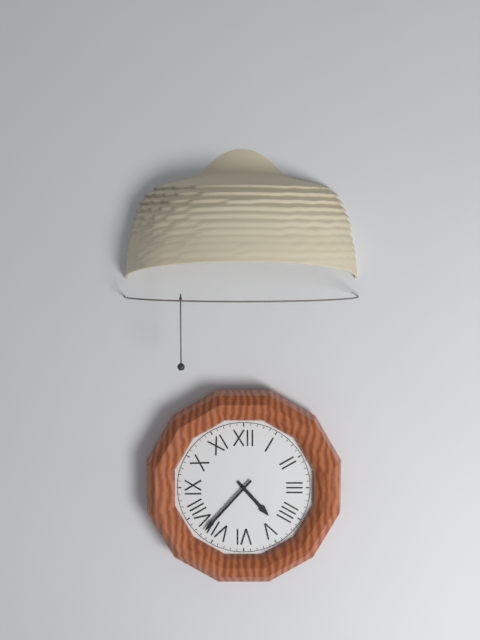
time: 4:37
